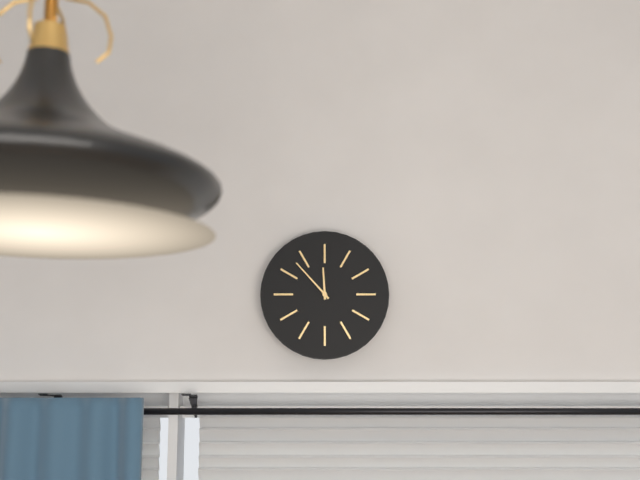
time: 11:53
